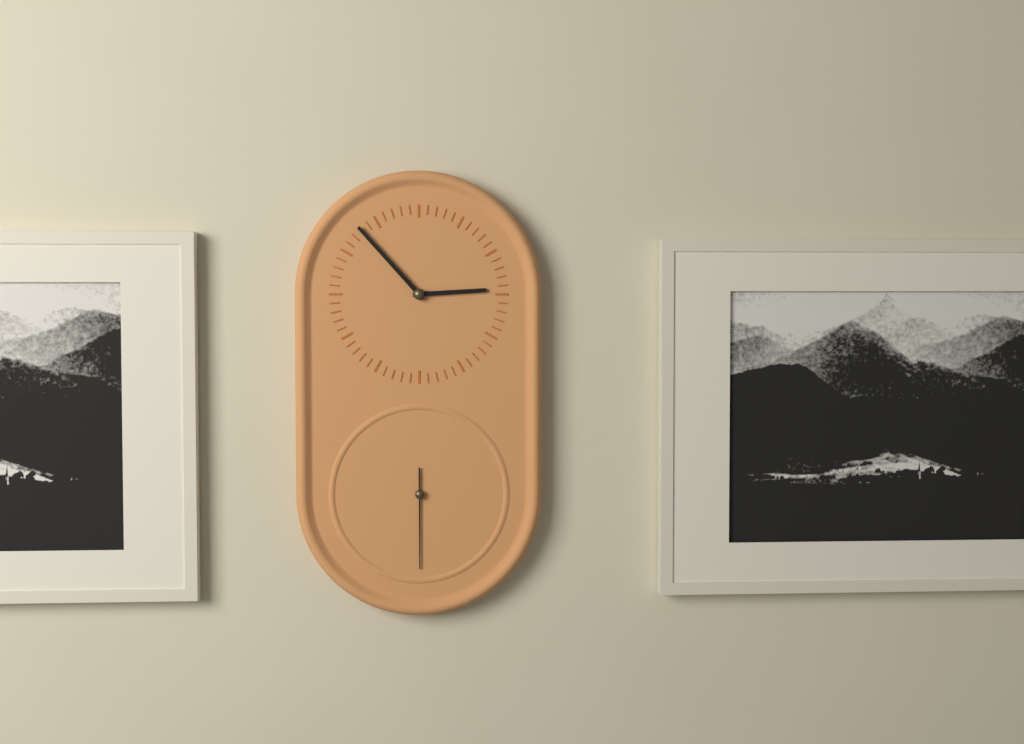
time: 2:53:30
